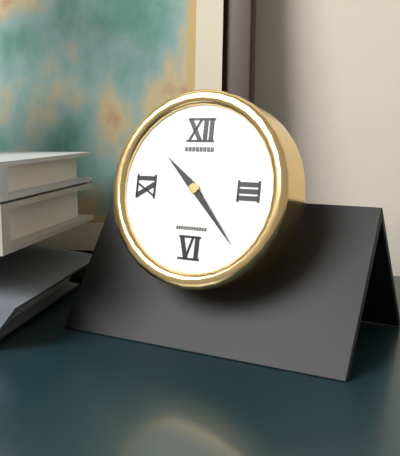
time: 10:23
